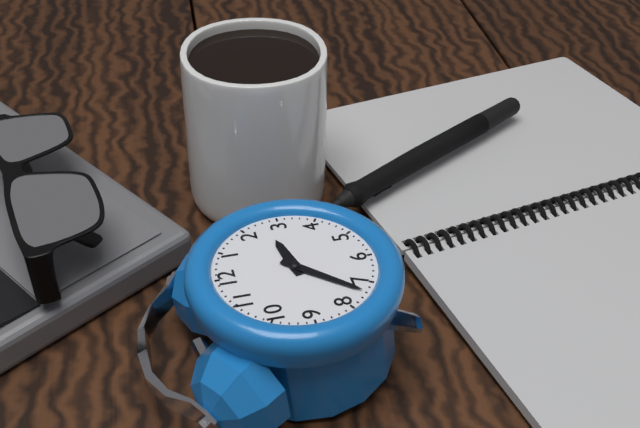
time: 2:37
